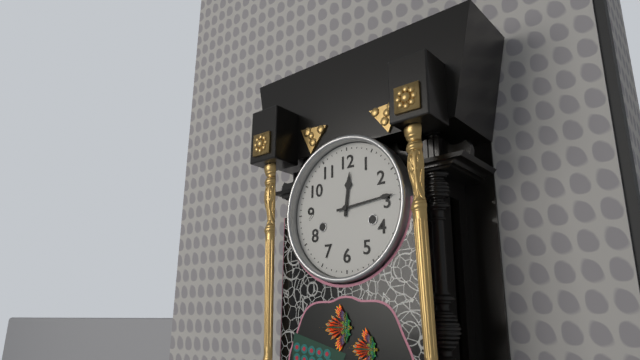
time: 12:14
